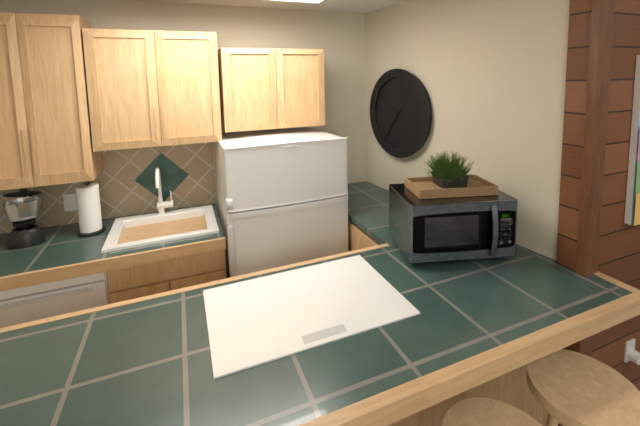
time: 9:36
